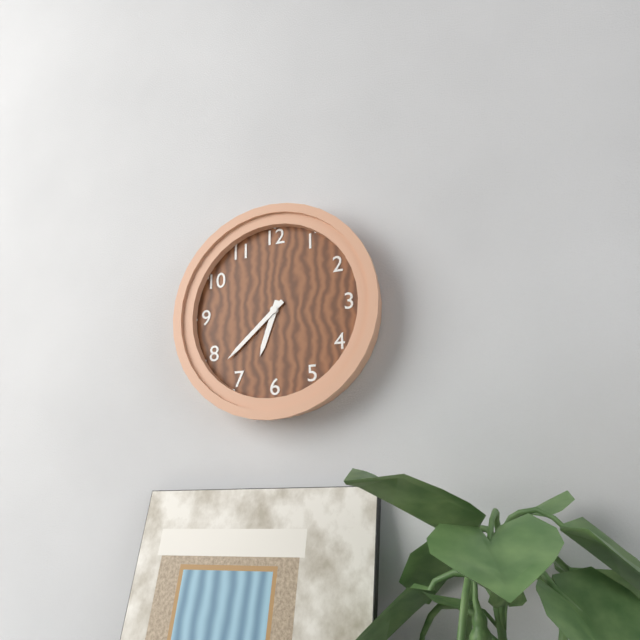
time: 6:38
